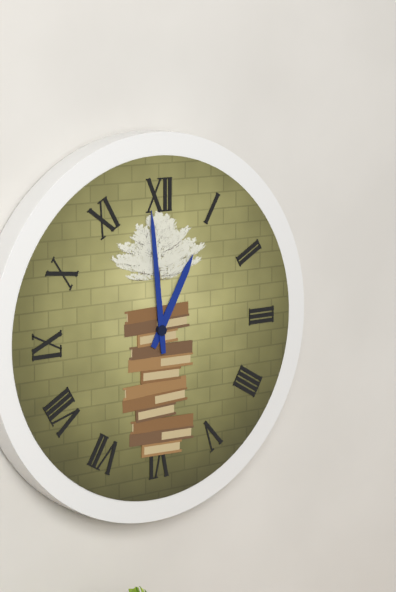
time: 12:59
